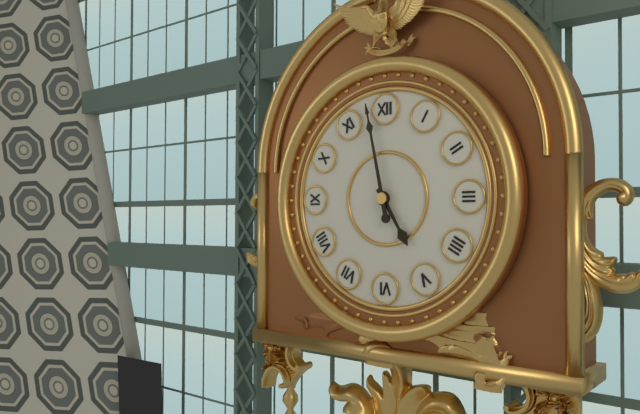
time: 4:58
